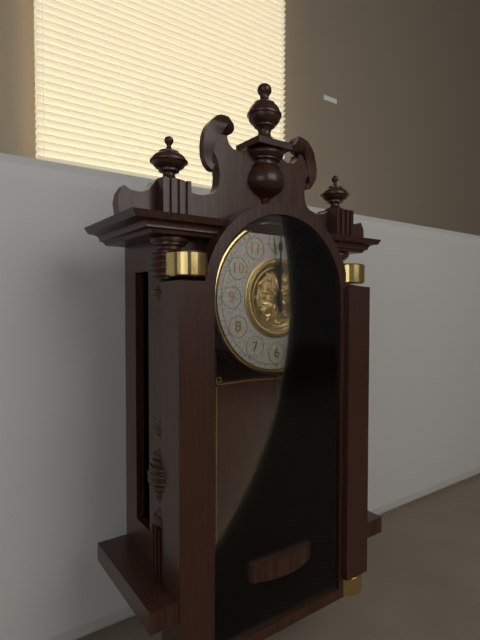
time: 12:00
